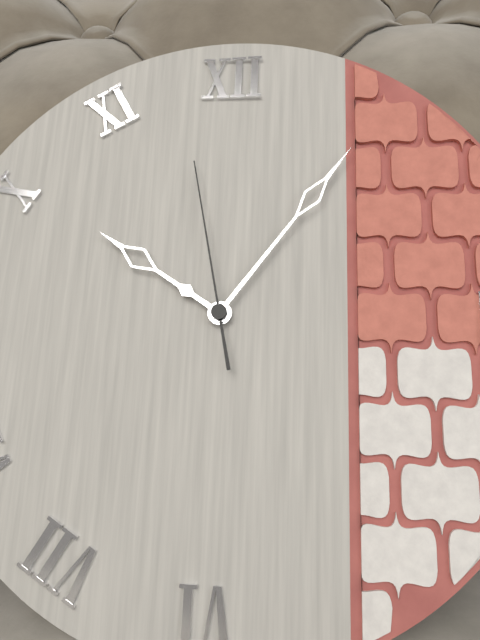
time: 10:06:58
